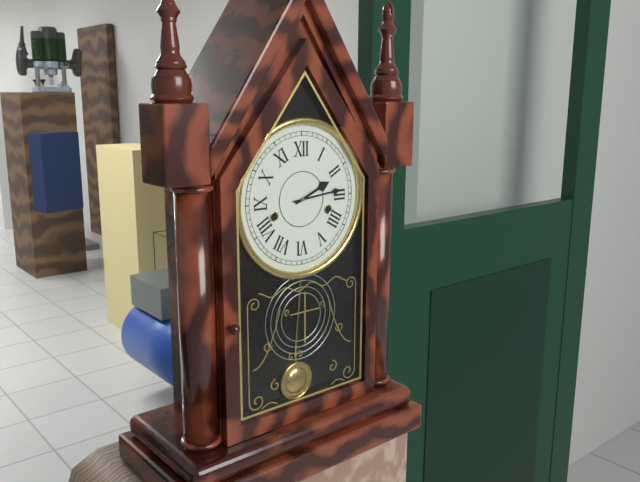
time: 2:14
